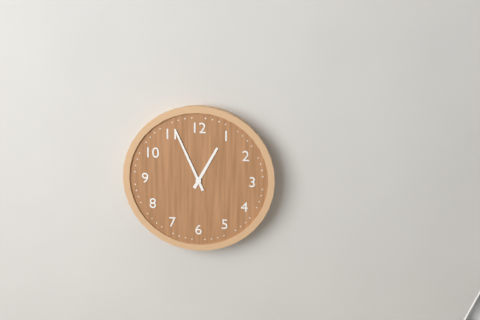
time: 12:56
